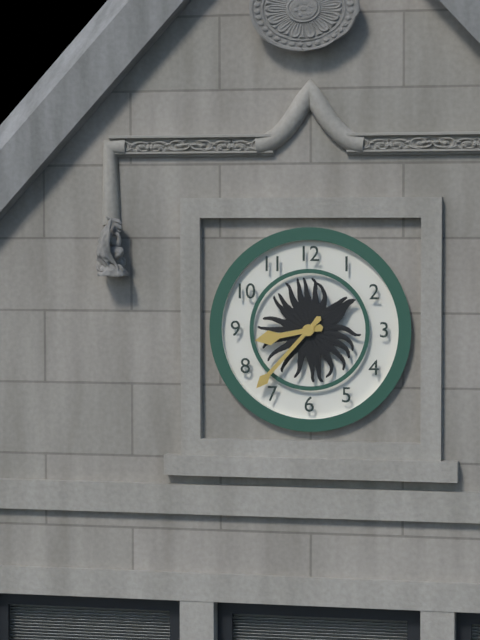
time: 8:37
